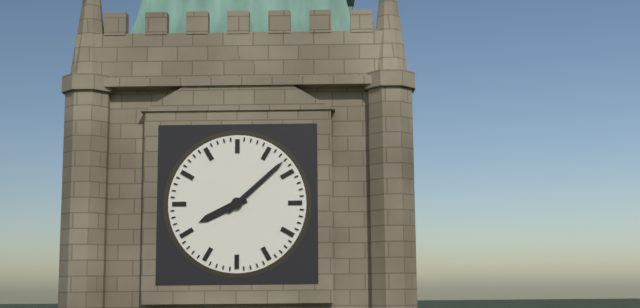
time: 8:08
